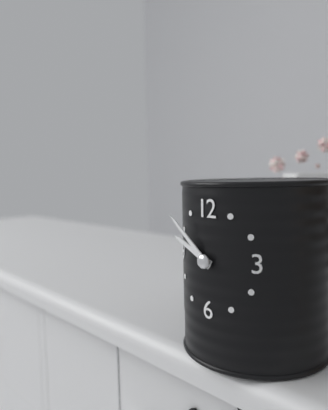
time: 9:52
